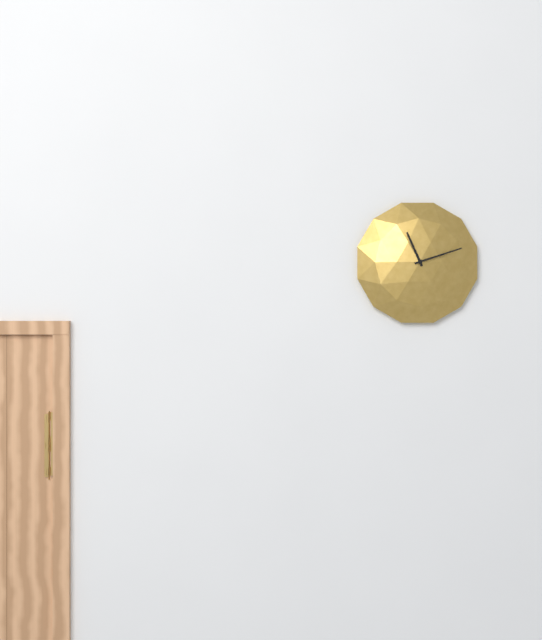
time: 11:12
